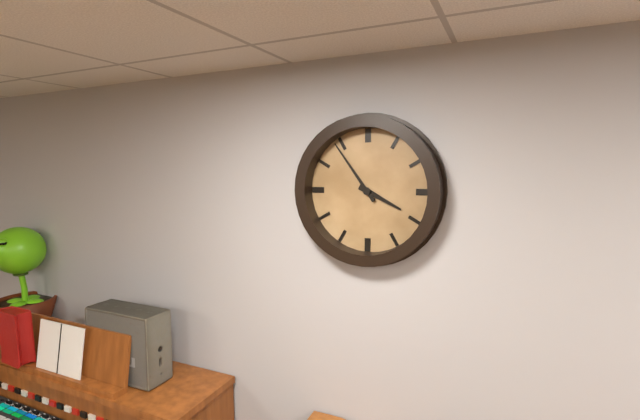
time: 3:54
